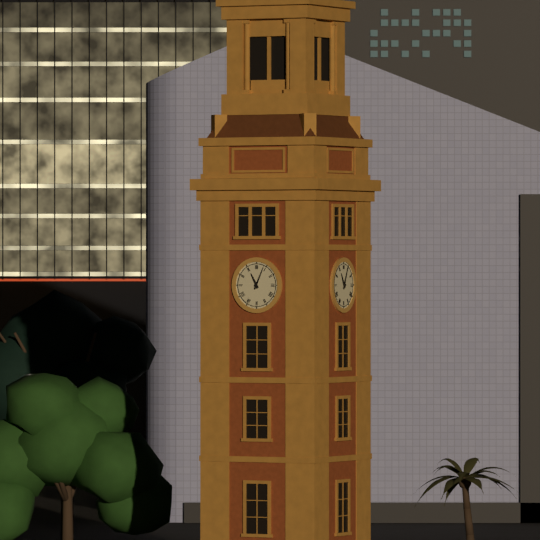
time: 11:04
